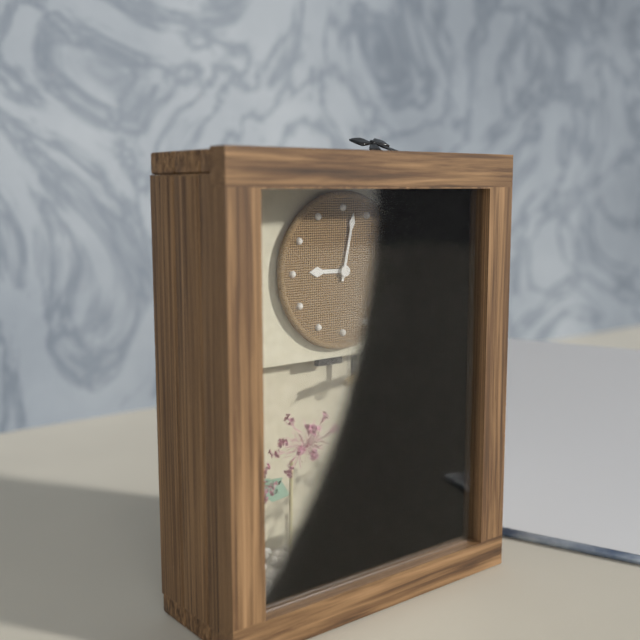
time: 9:02
